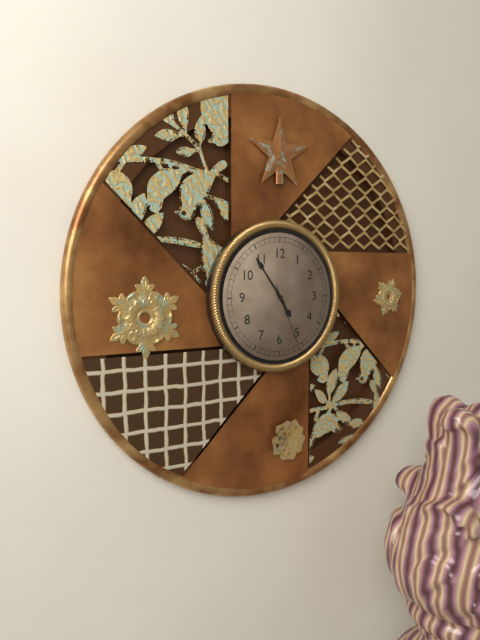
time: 4:54:26
